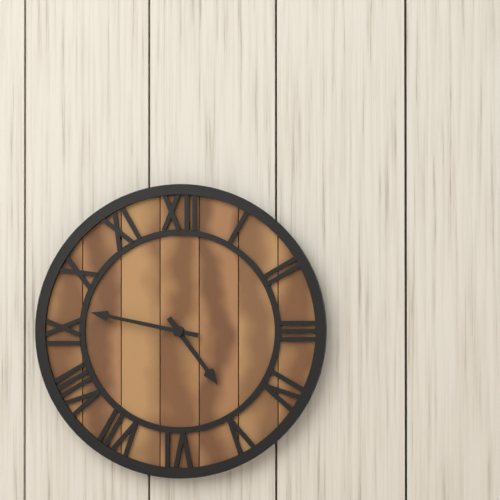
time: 4:47
